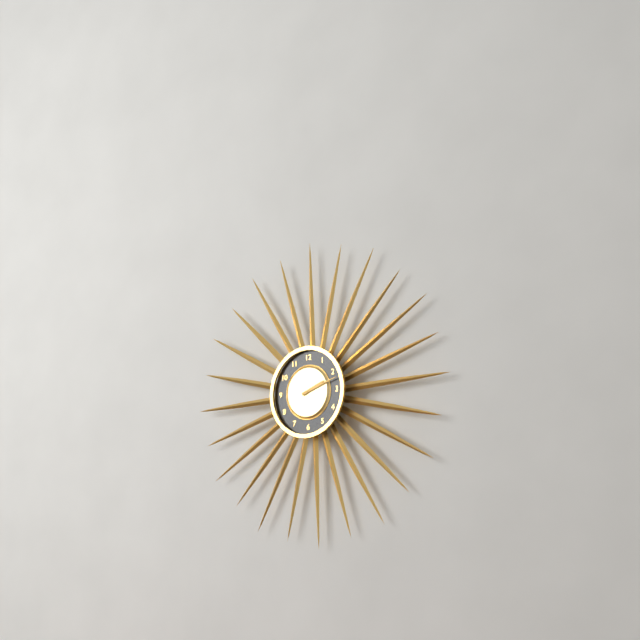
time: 2:12
